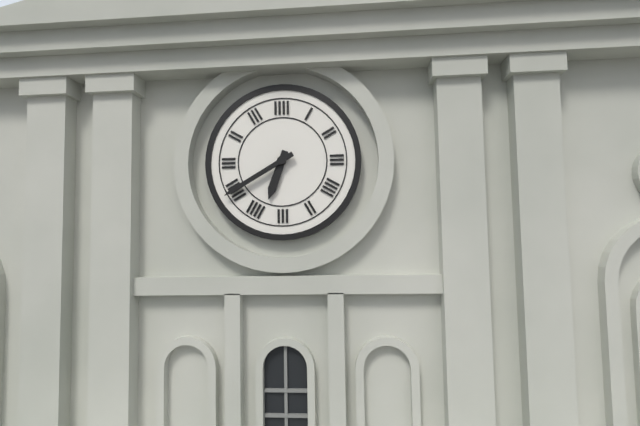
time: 6:40
